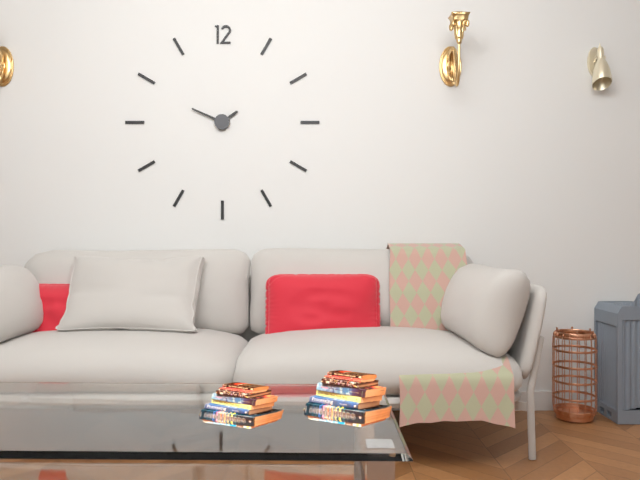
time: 1:49
